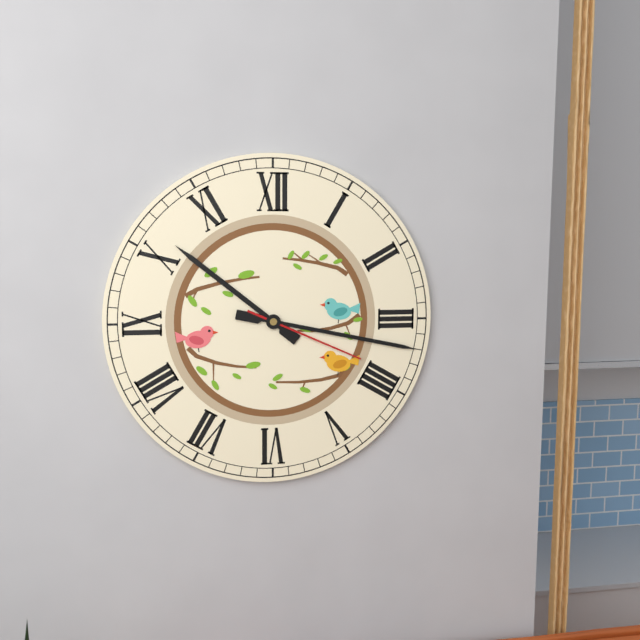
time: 10:17:19
